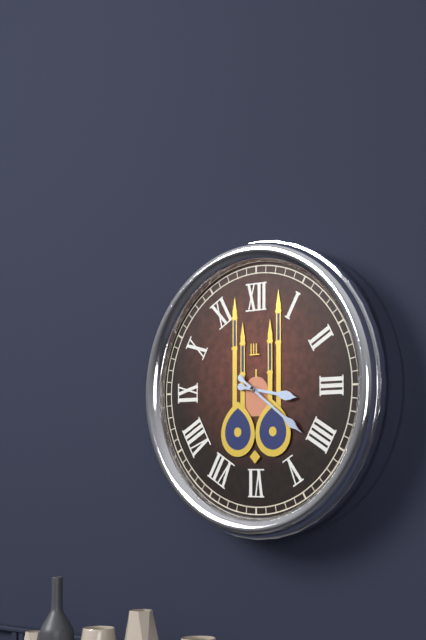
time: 3:21
